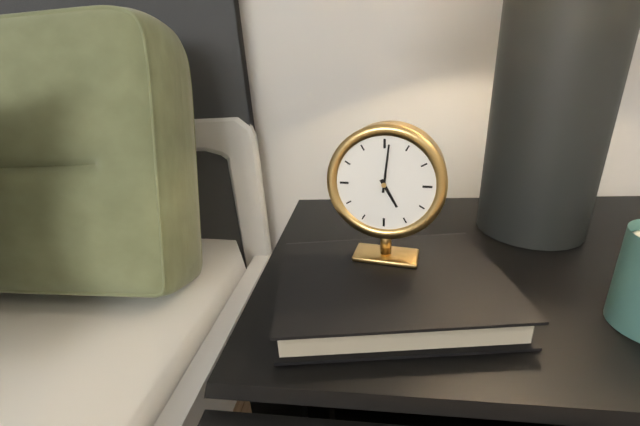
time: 5:01
